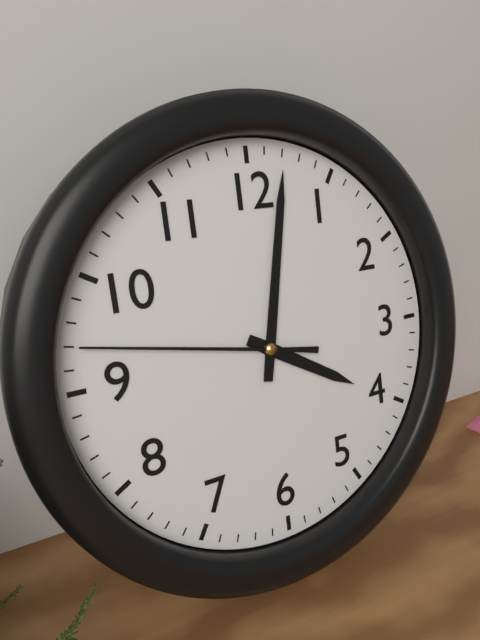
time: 4:02:47
